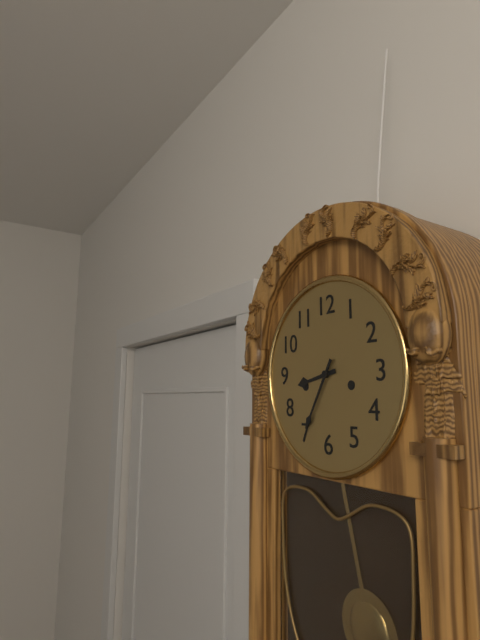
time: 8:35
